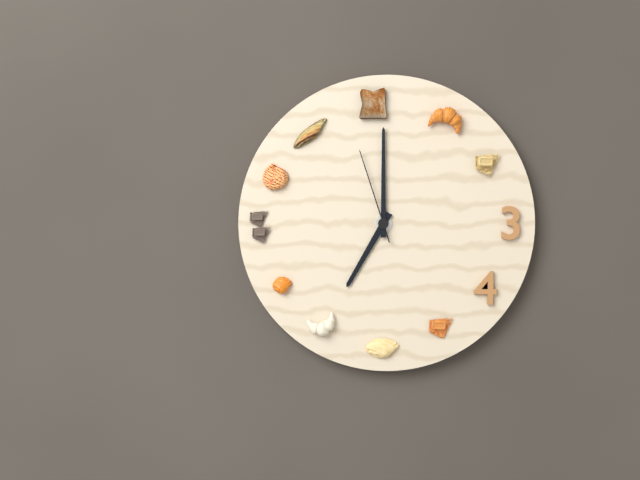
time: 7:00:57
